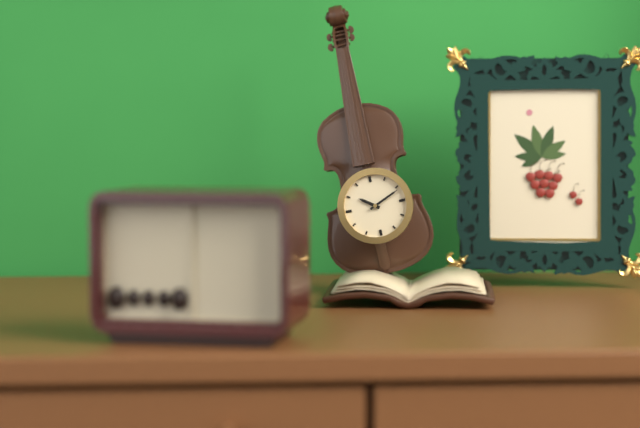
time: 10:11
